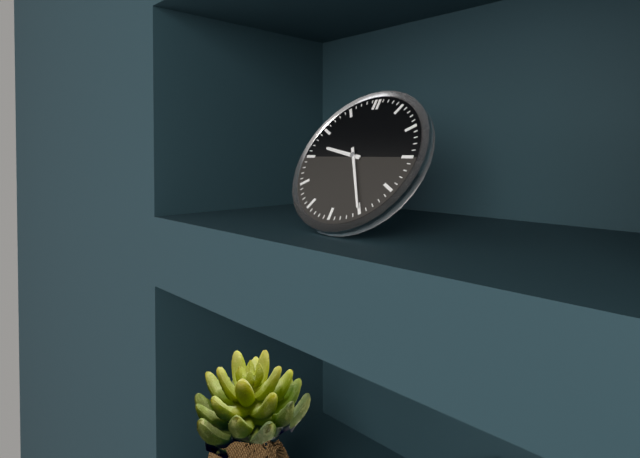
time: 9:25
